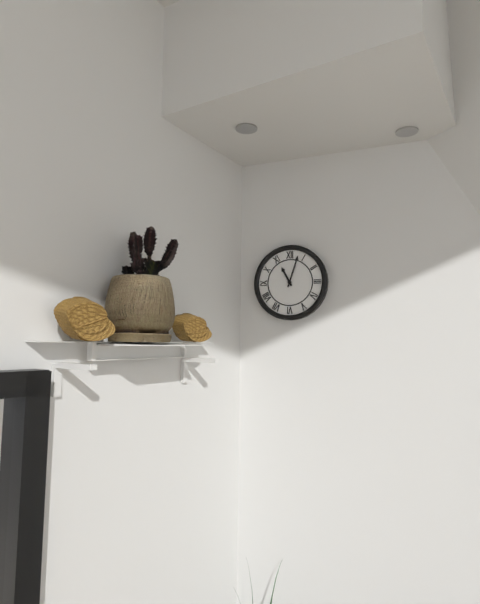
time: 11:03
